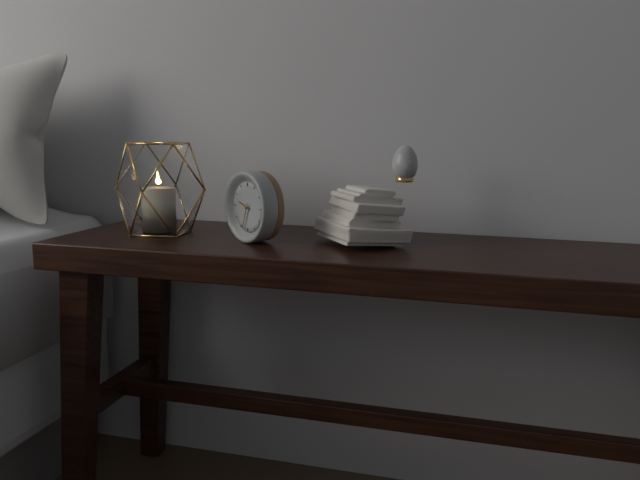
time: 9:33
